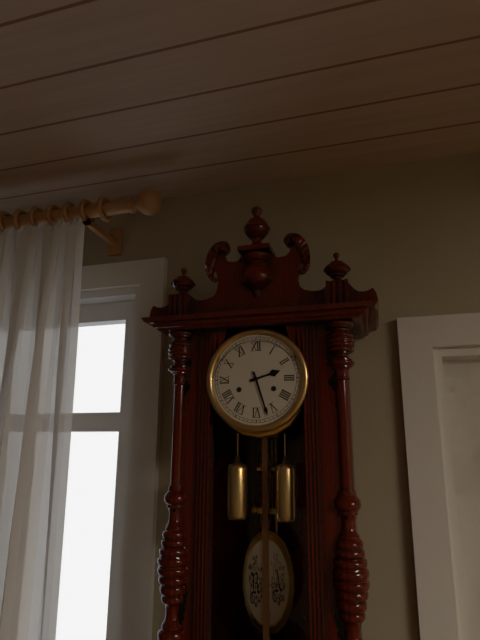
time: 2:27
